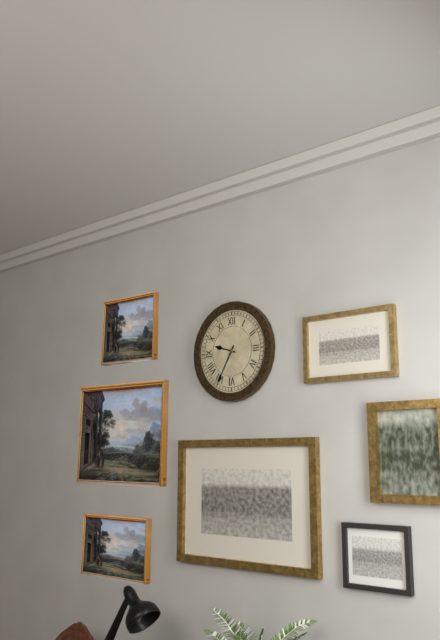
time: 9:35
